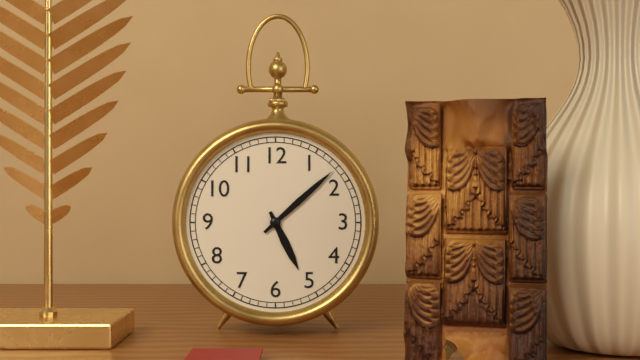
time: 5:08
